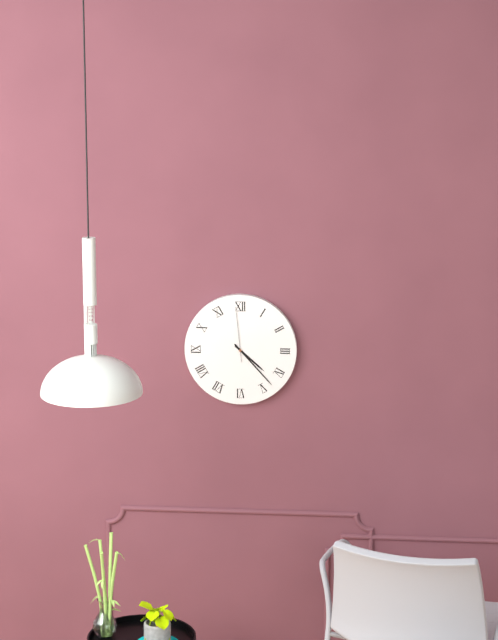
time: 4:23:59
